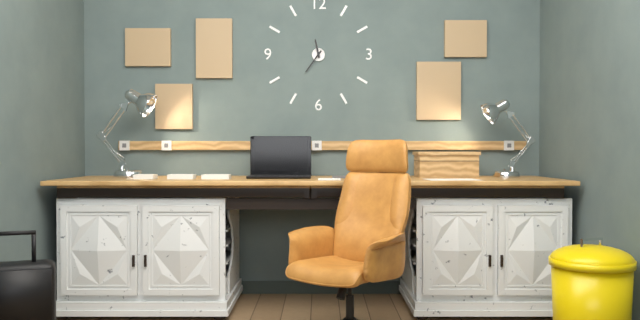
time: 11:36
